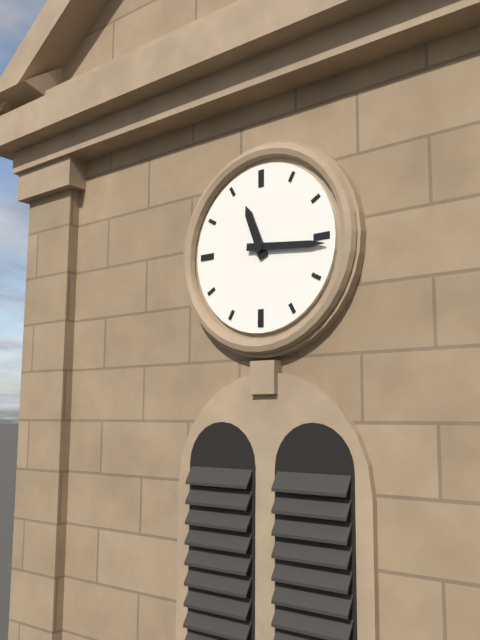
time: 11:16
